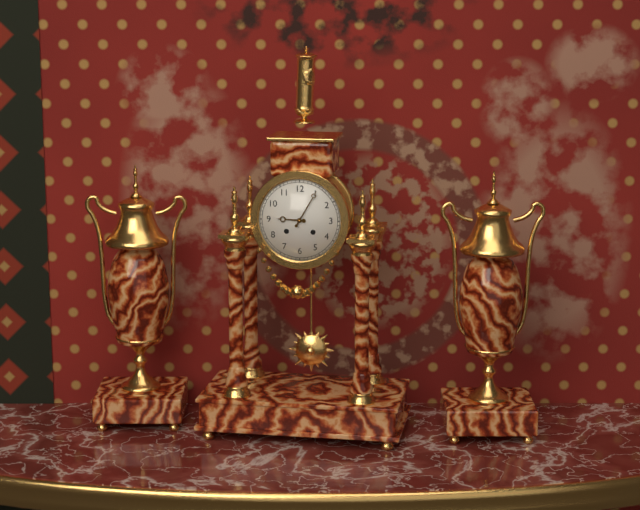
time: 9:05
